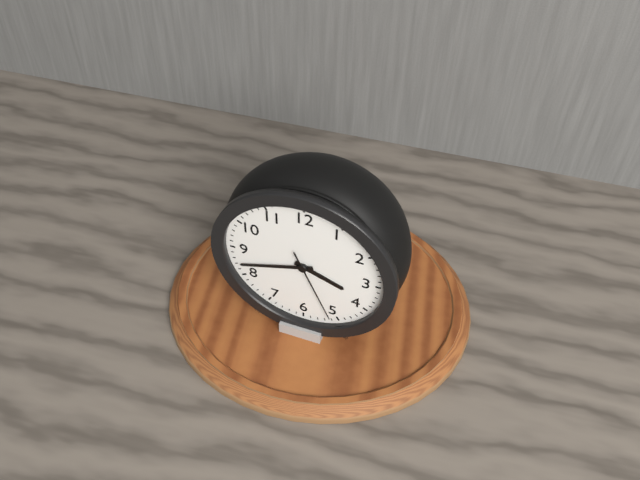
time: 3:42:26
